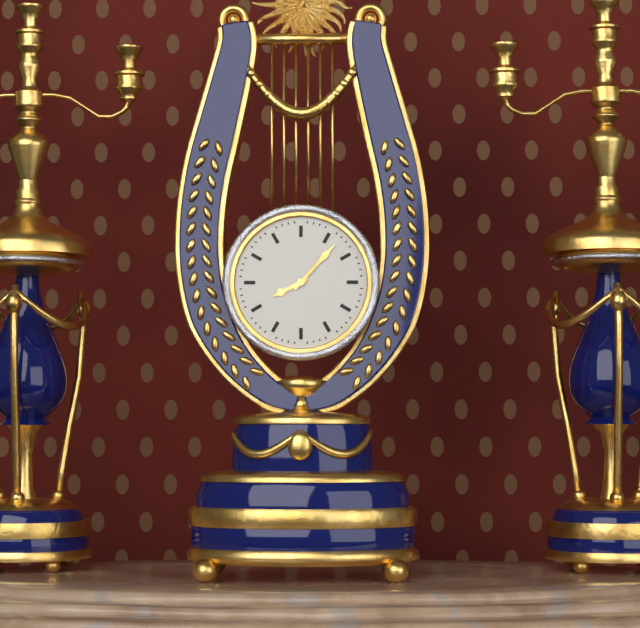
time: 8:07
